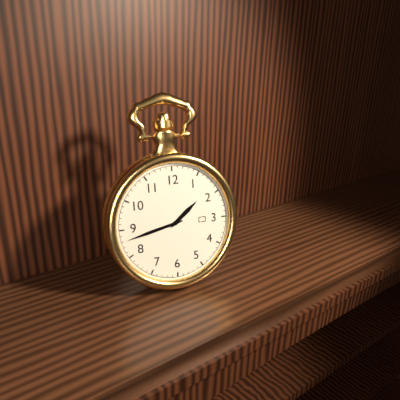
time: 1:43
